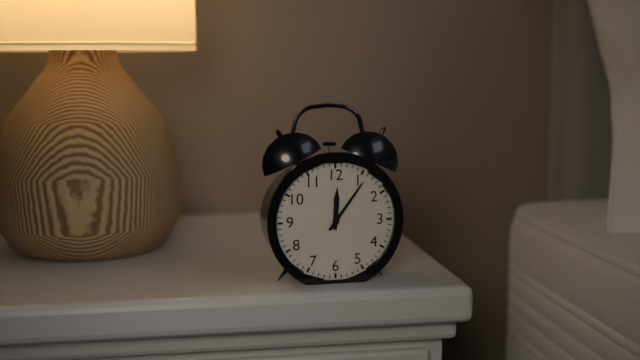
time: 12:06
